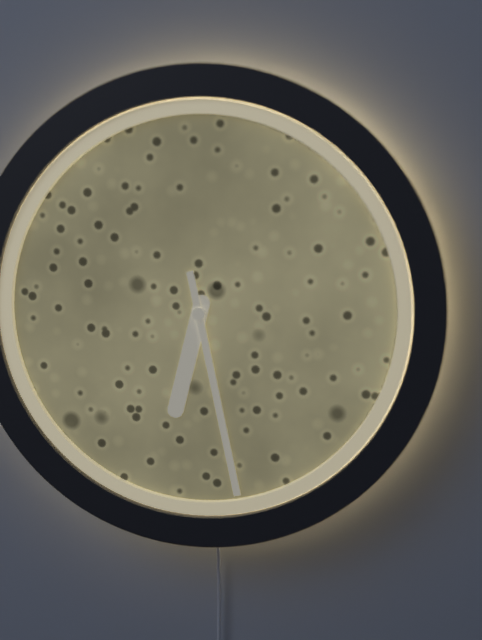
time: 6:28
